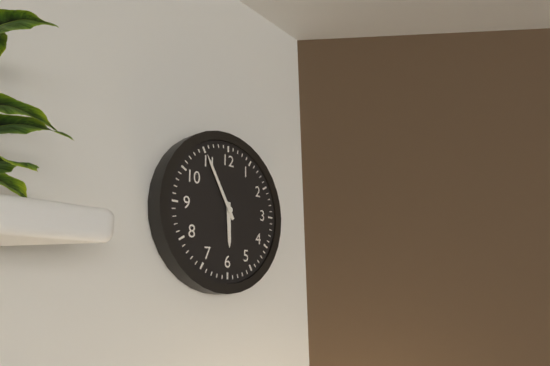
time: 5:55
